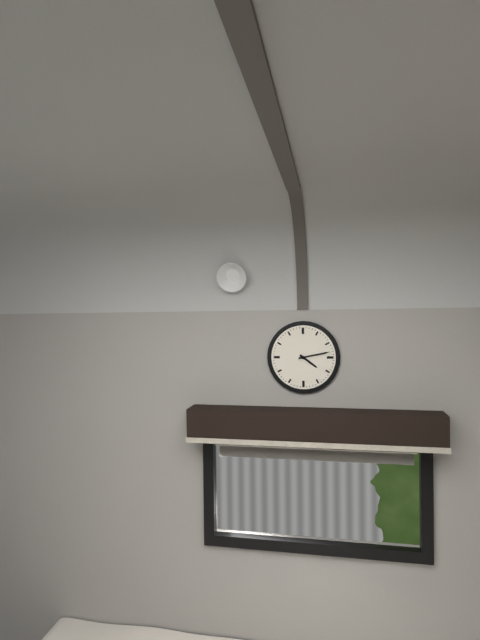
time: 4:13
